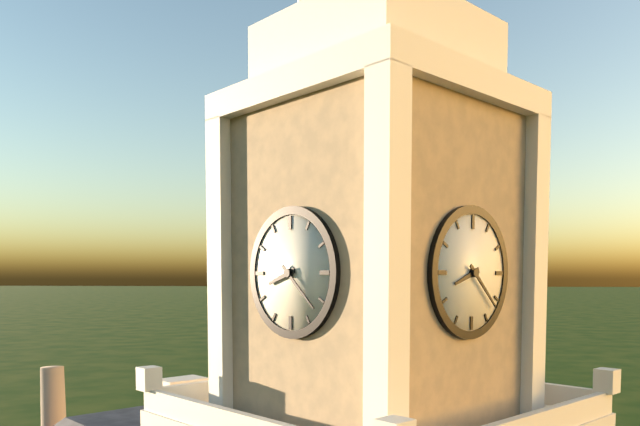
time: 8:22
